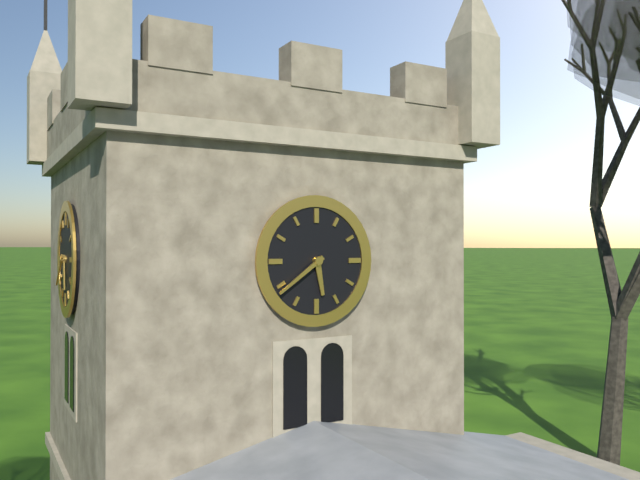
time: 5:39
